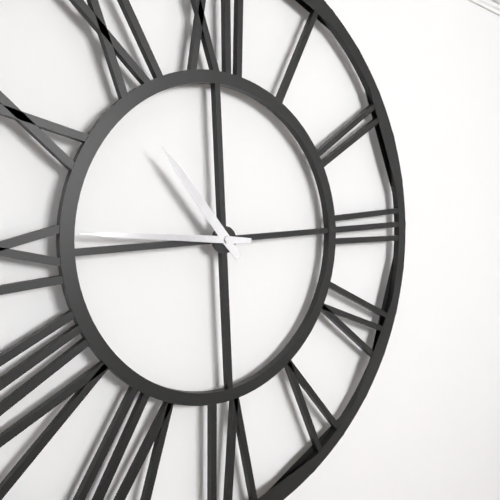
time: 10:46
